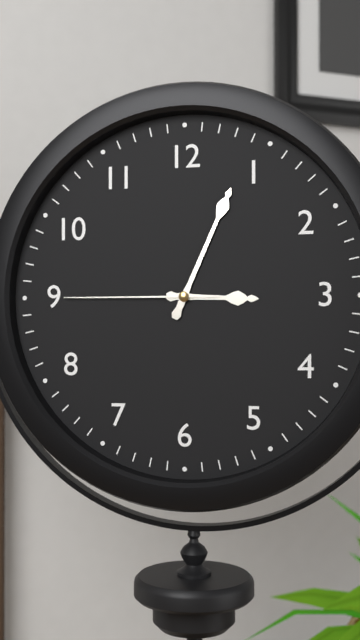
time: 3:04:45
